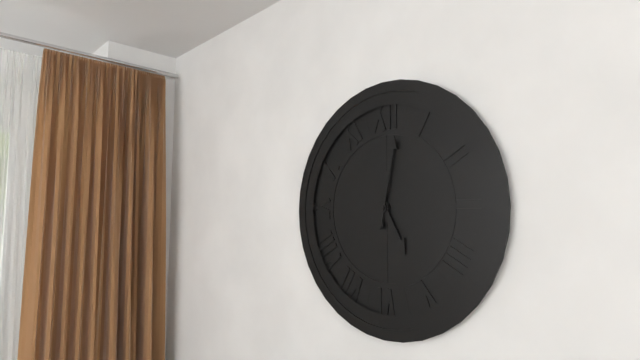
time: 5:02
